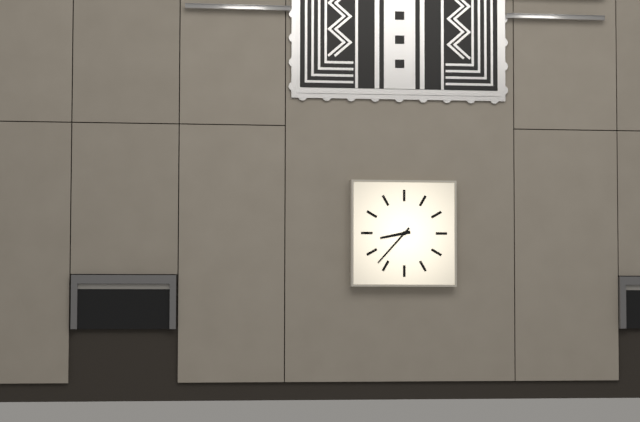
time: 8:37
